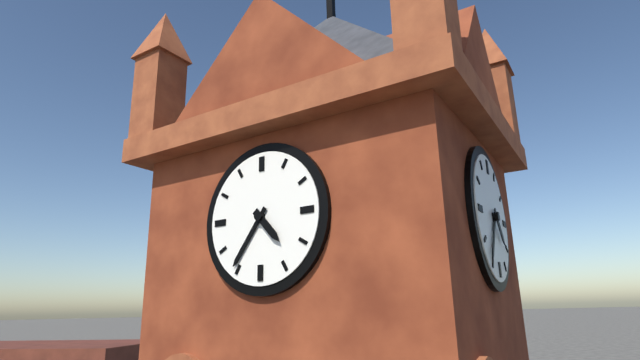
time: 4:36
